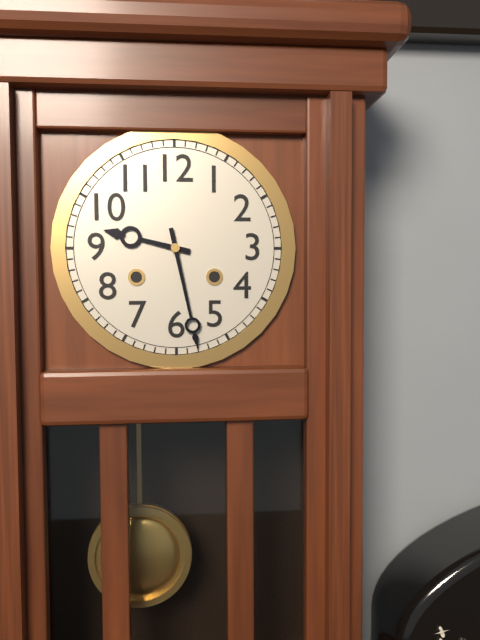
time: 9:28
